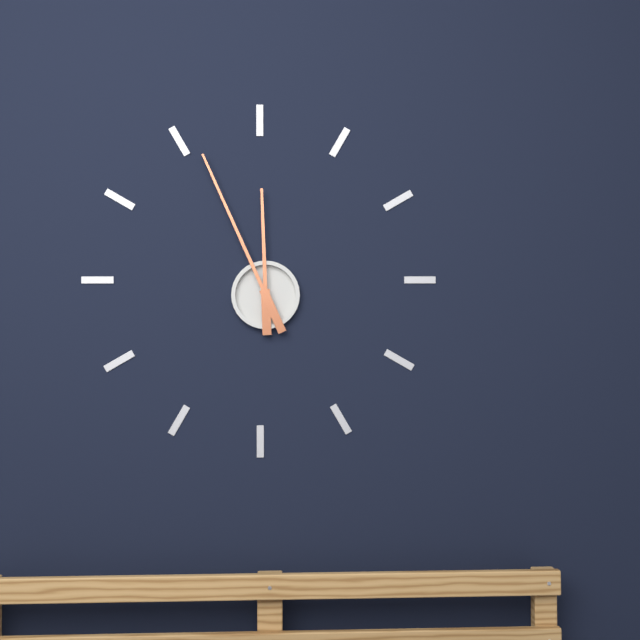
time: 11:56
